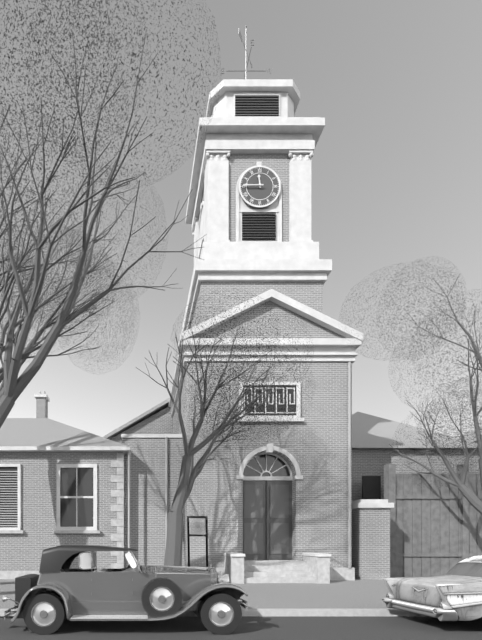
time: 11:45
